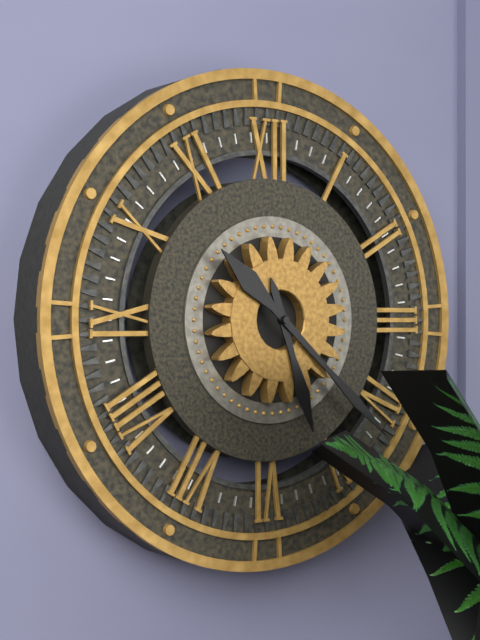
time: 5:22
